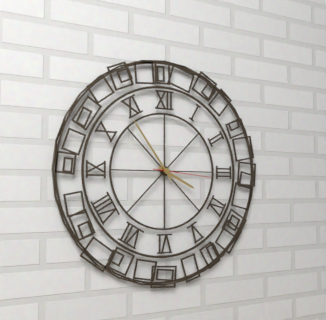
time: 3:54:16
